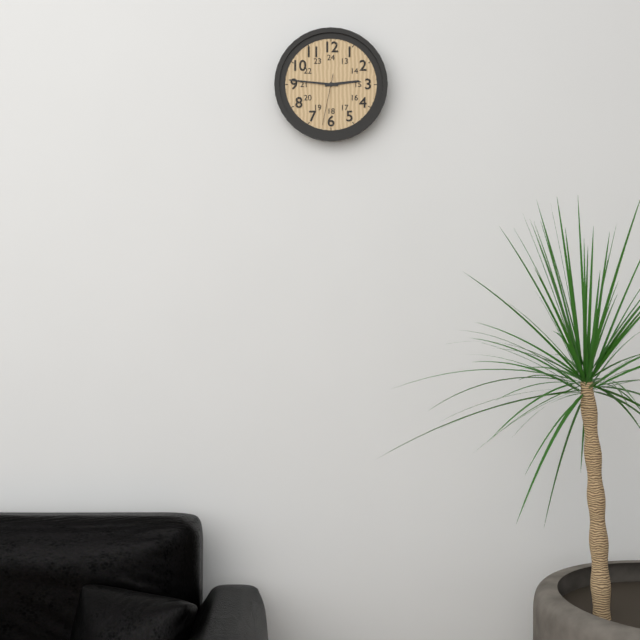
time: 2:46:32
